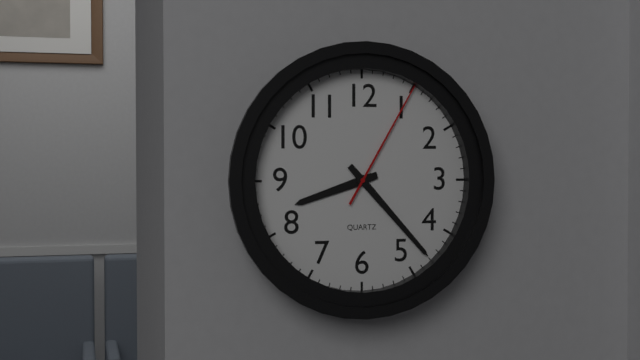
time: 8:23:05
